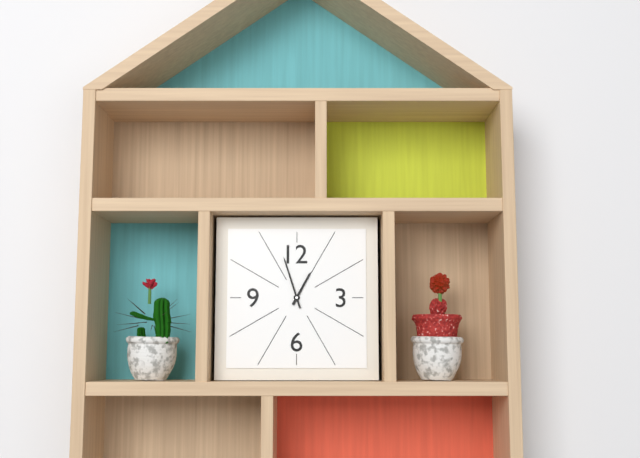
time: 12:57
